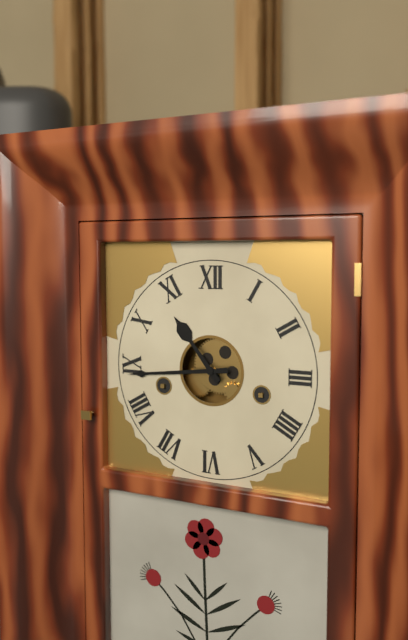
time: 10:44
